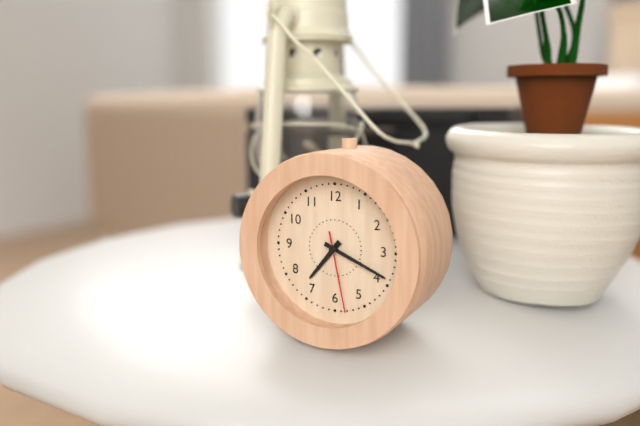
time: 7:19:28
